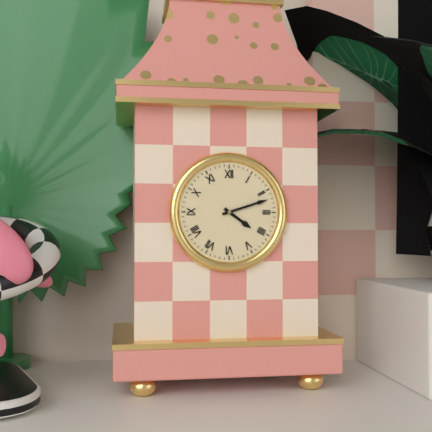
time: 4:12
